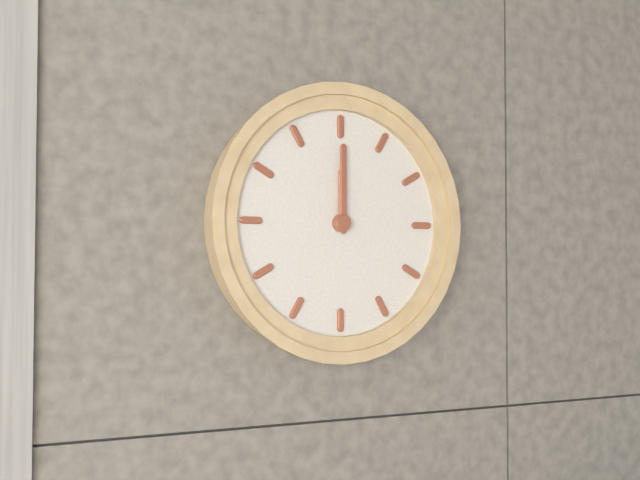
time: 12:00
